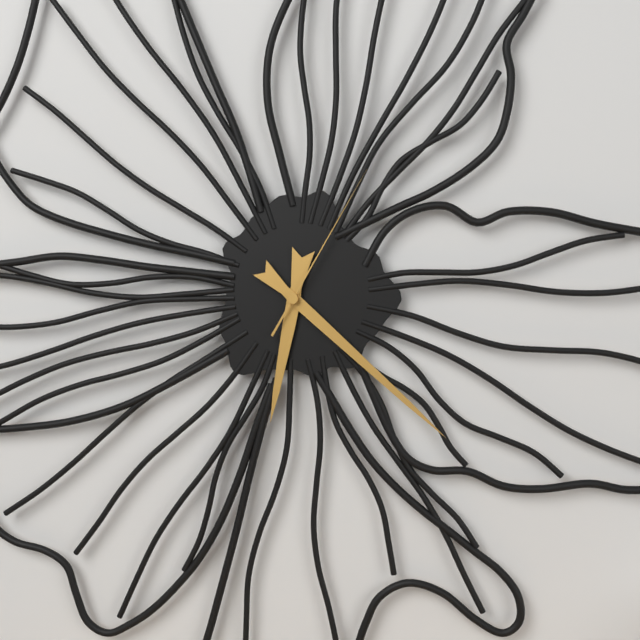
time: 6:22:05
